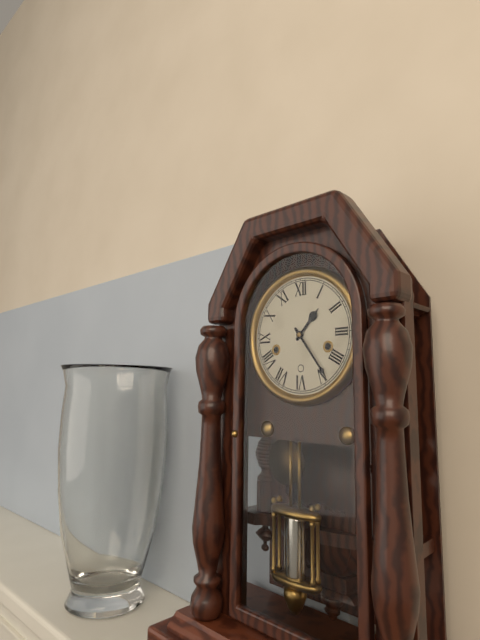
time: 1:24
